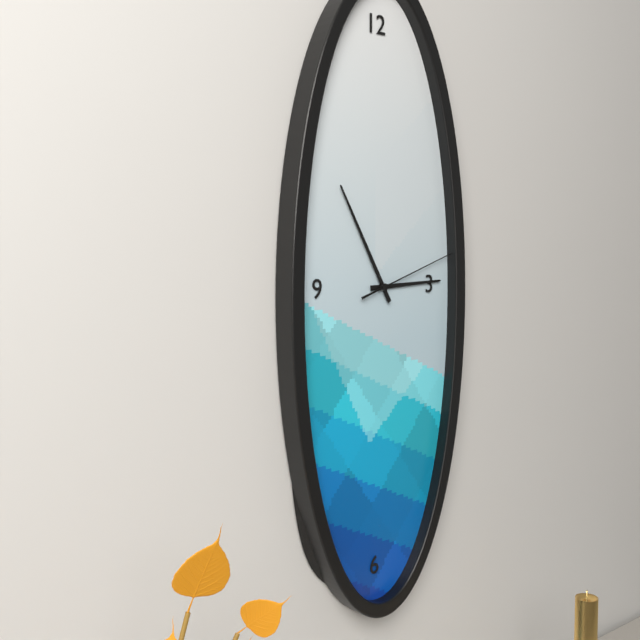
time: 2:55:12
